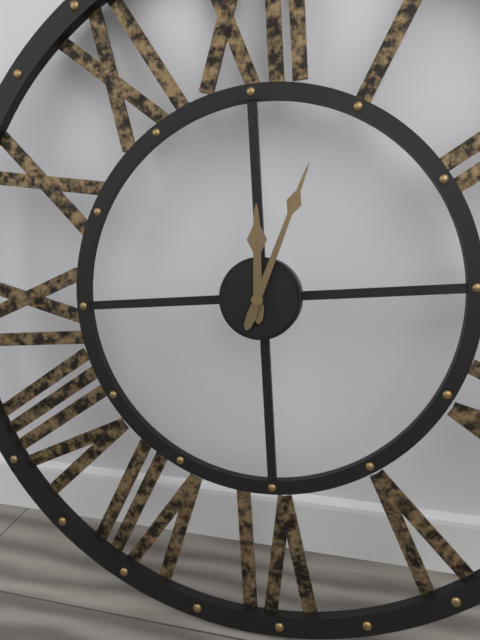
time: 12:04
